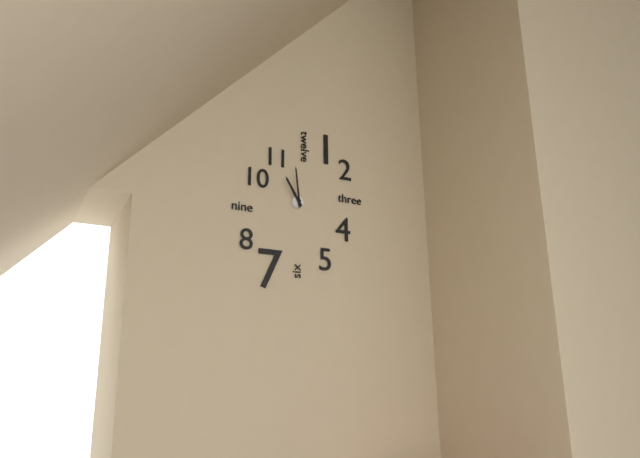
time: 10:59
